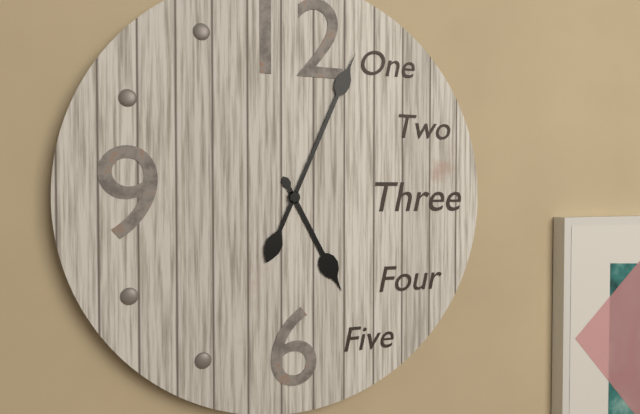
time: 5:04
